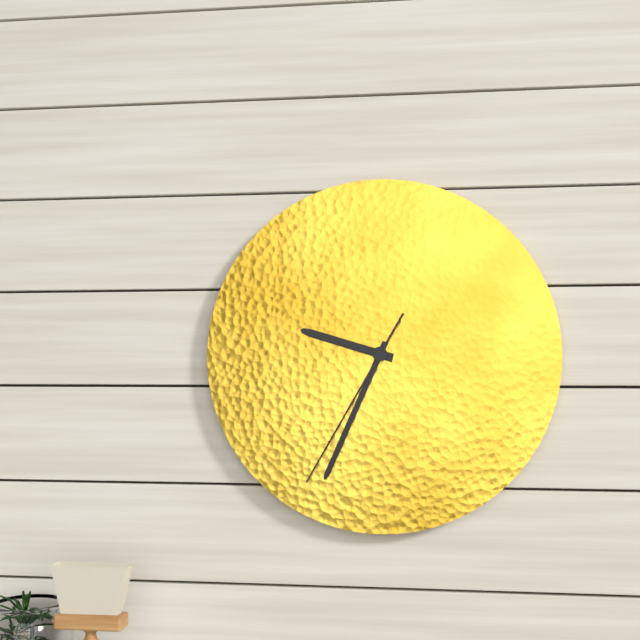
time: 9:34:35
